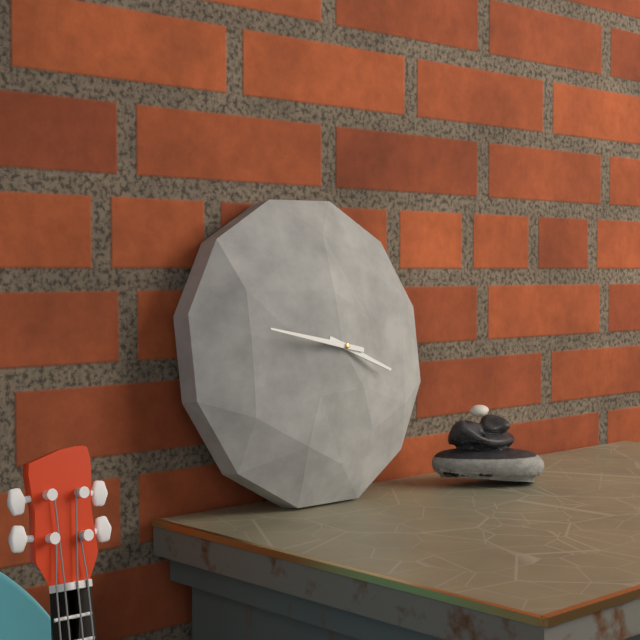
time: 3:47
